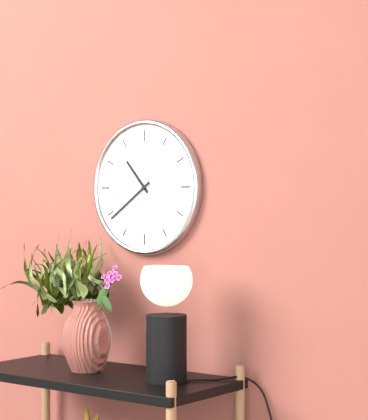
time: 10:39
